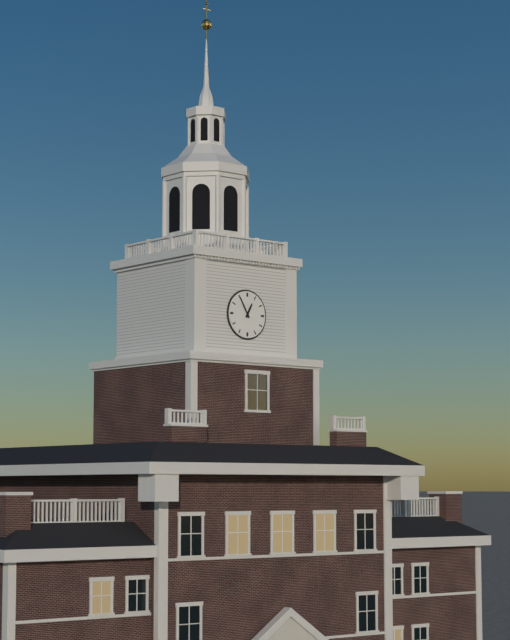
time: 12:55
